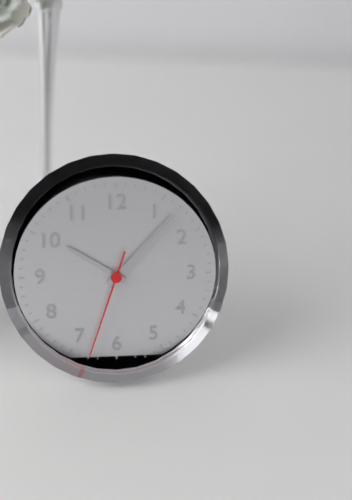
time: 10:07:33
